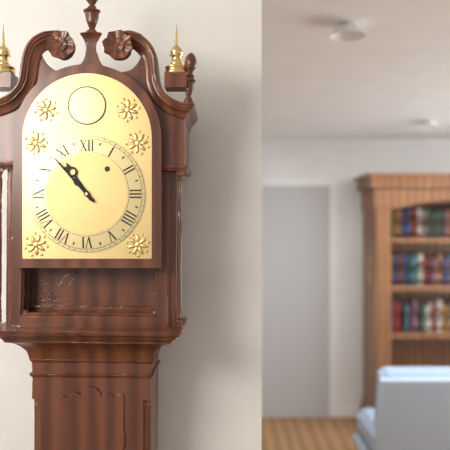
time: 10:53
